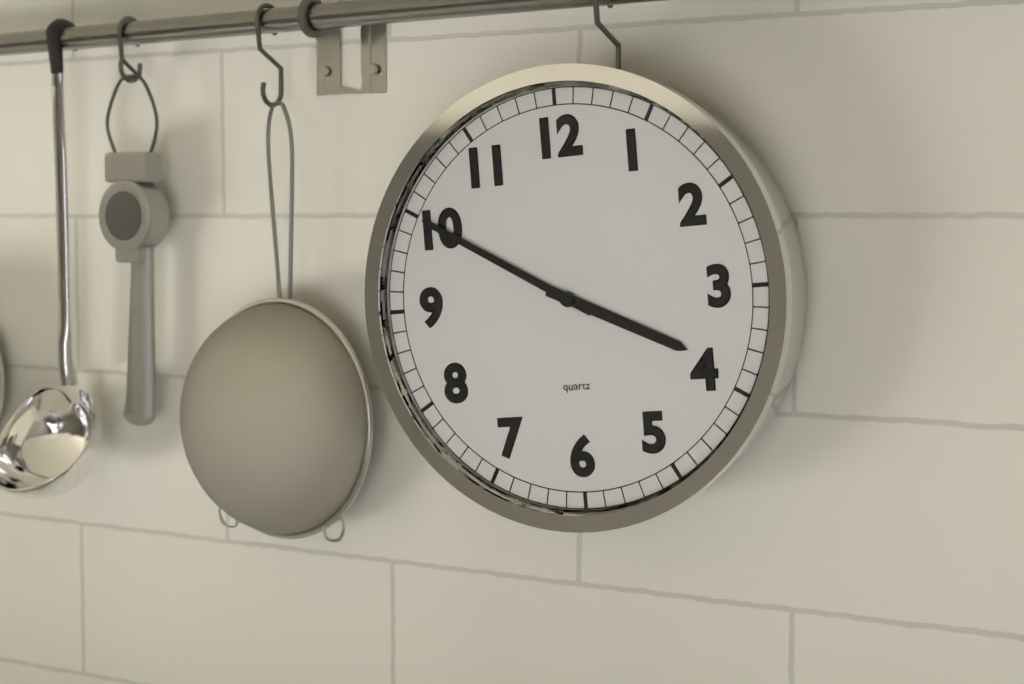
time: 3:50
